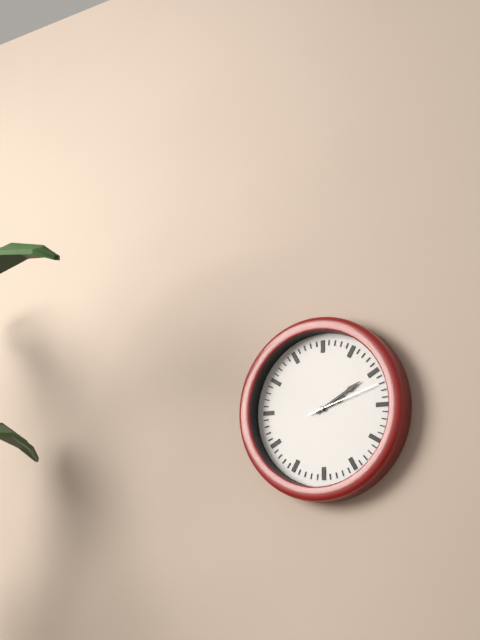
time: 2:10:12
